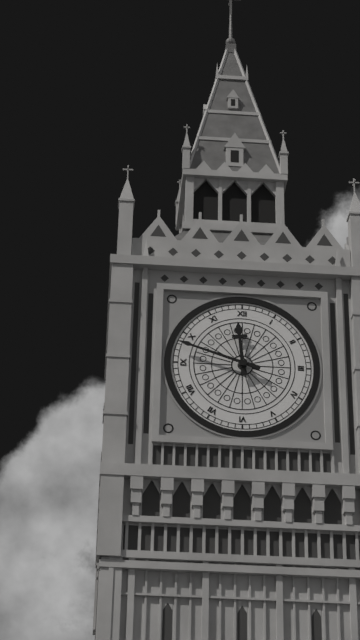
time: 11:48
